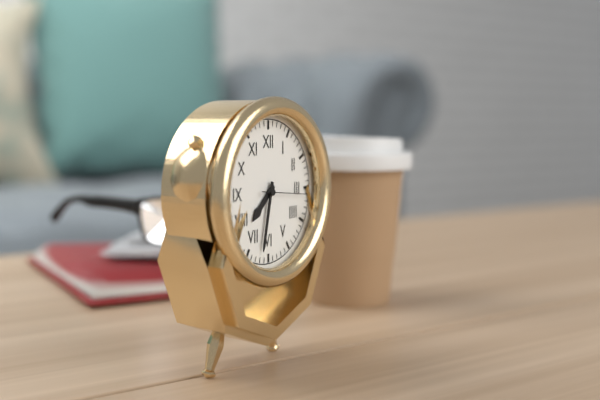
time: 7:32
